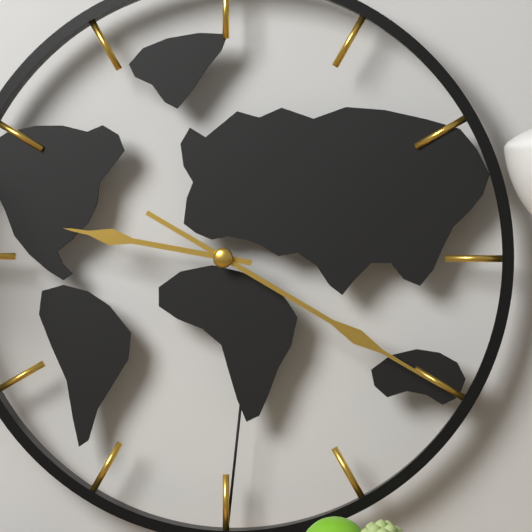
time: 9:20
